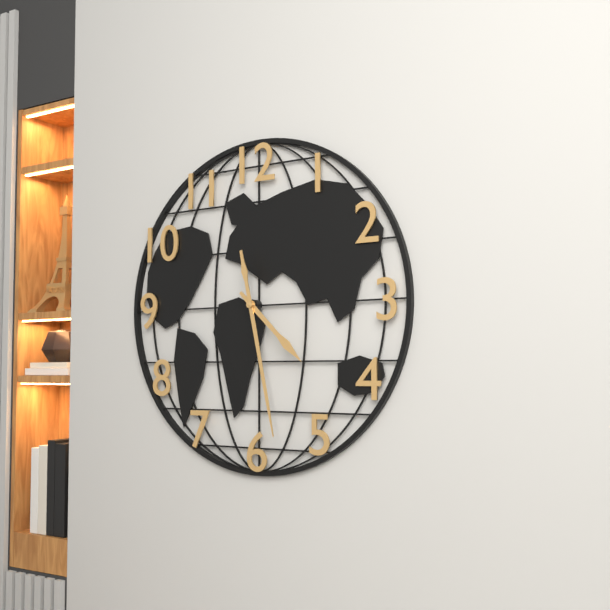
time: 4:28
